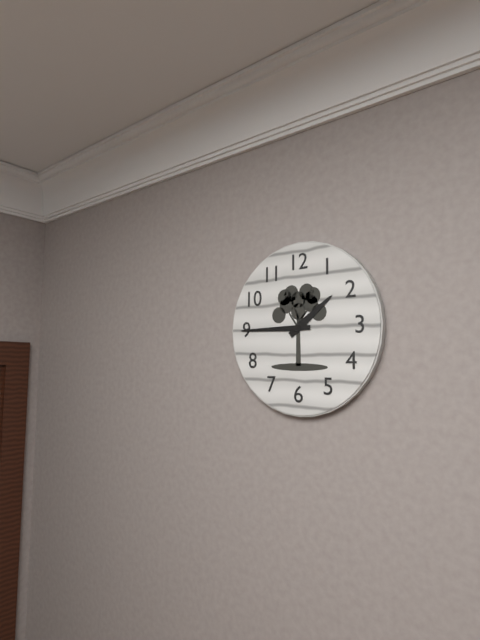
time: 1:45
